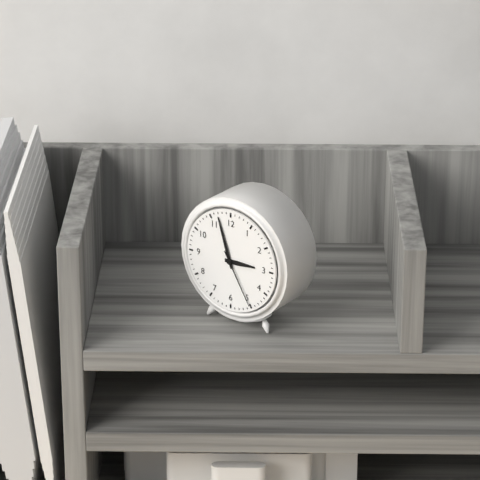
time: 2:57:25
